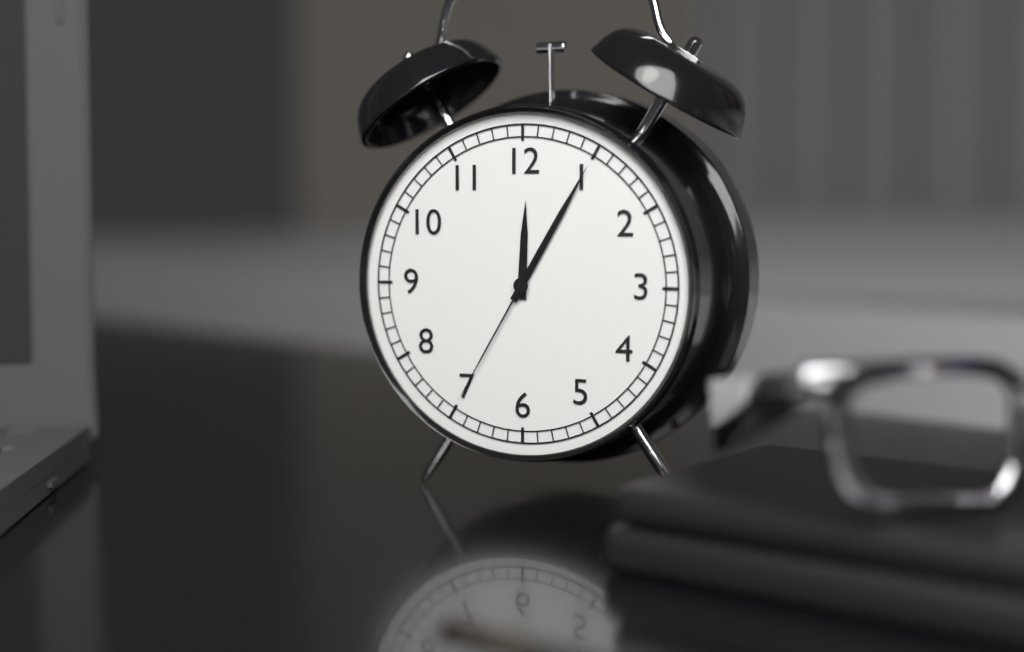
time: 12:05:35
